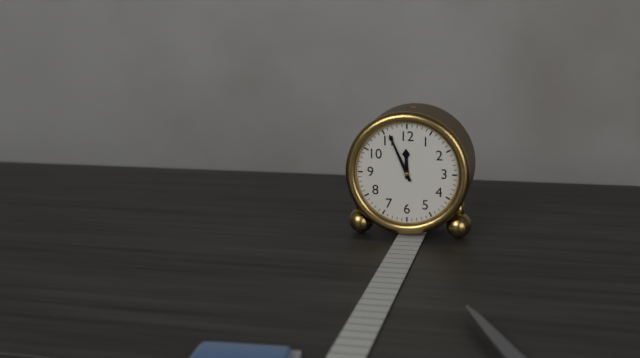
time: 11:56
